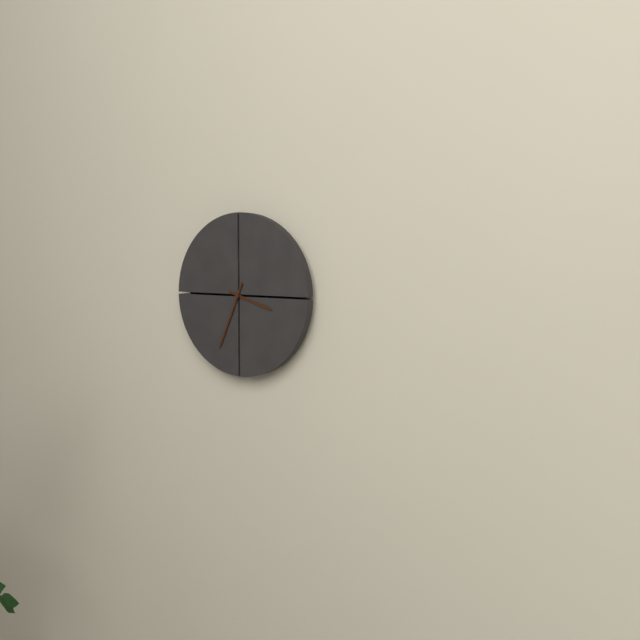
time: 3:34
